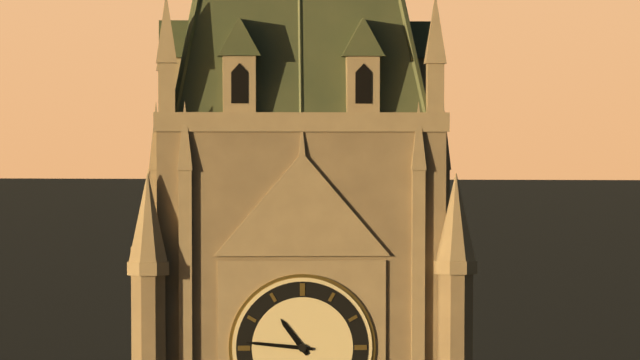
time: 10:46
